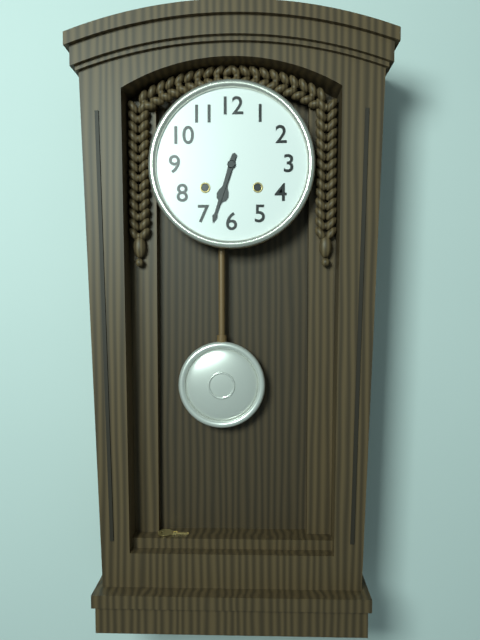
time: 6:33
